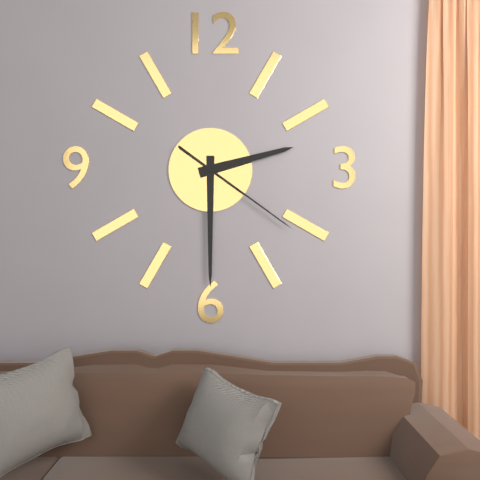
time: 2:30:21
